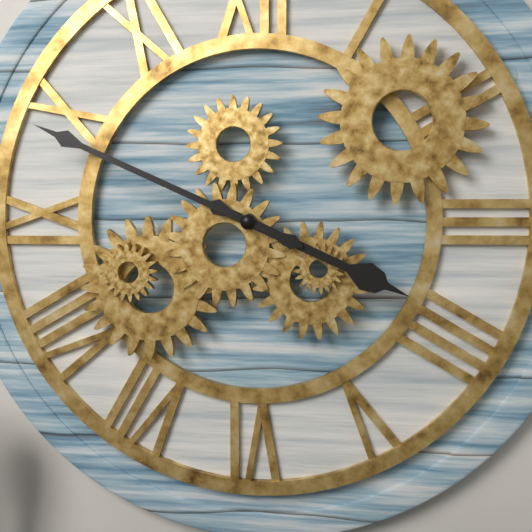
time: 3:49
